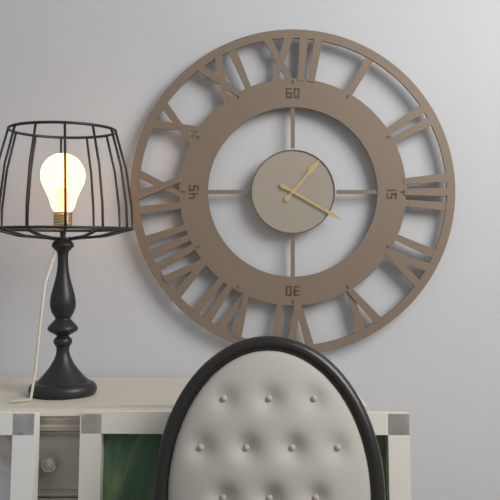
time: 1:20
